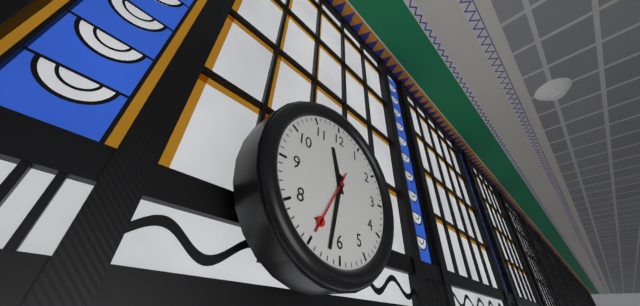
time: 11:32:35
